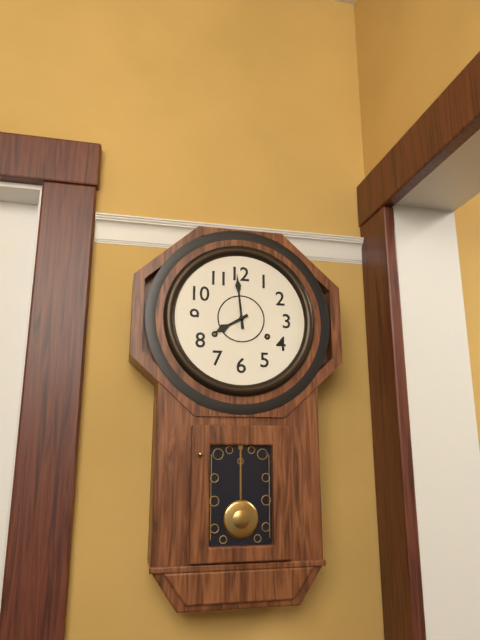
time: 7:59
